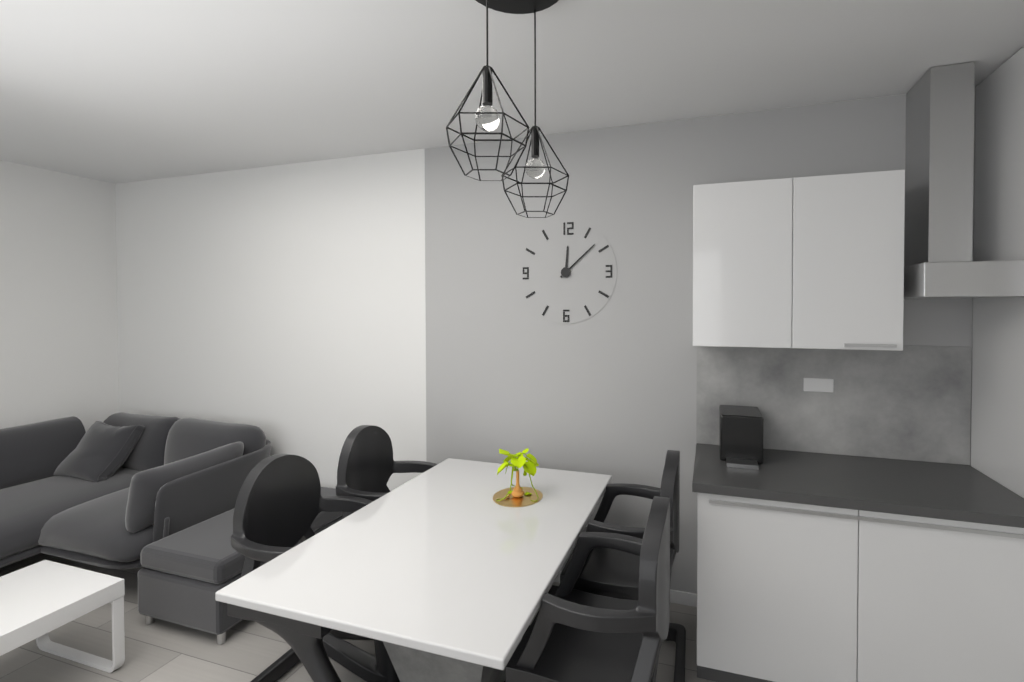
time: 12:08
